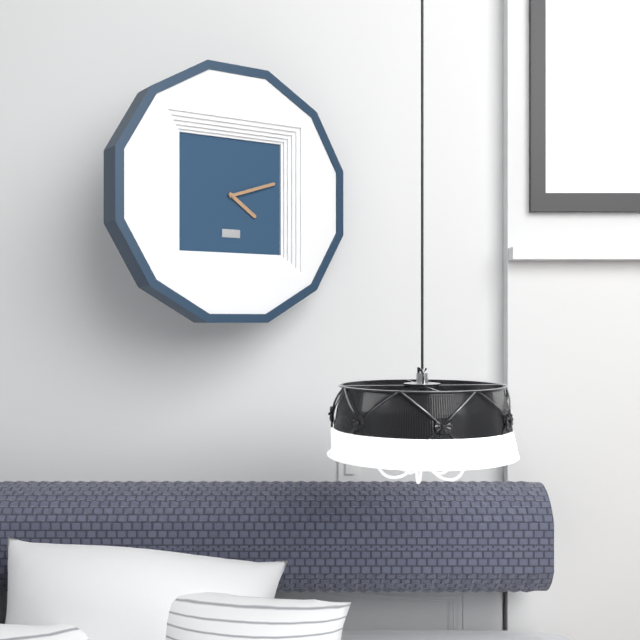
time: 4:12
